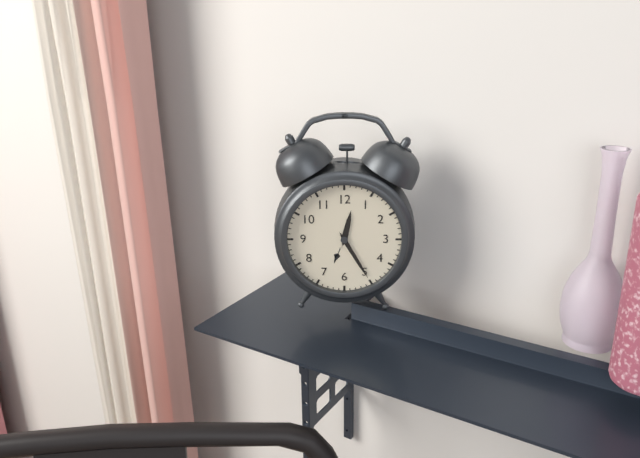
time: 12:25
